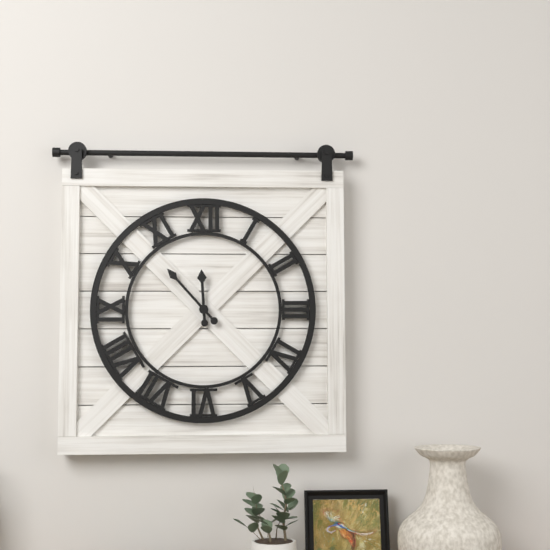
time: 11:53
